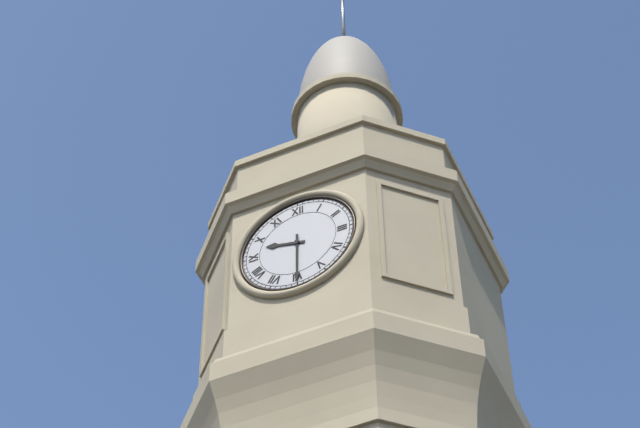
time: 9:30
